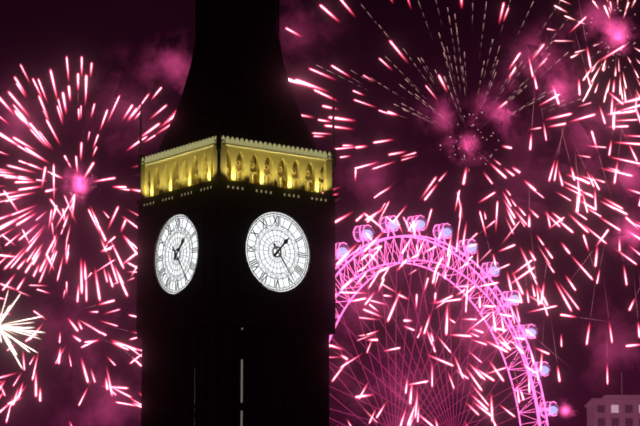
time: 1:24
